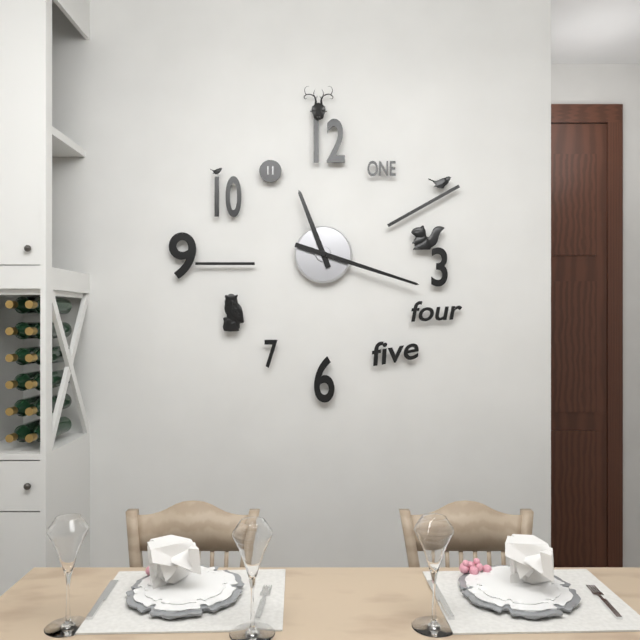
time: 11:18
